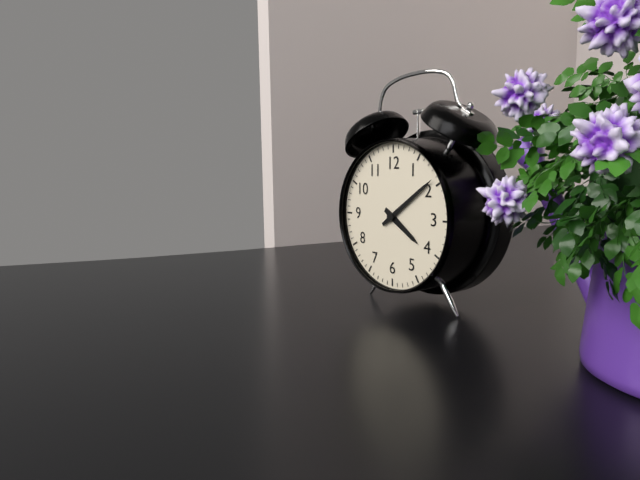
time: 4:09
